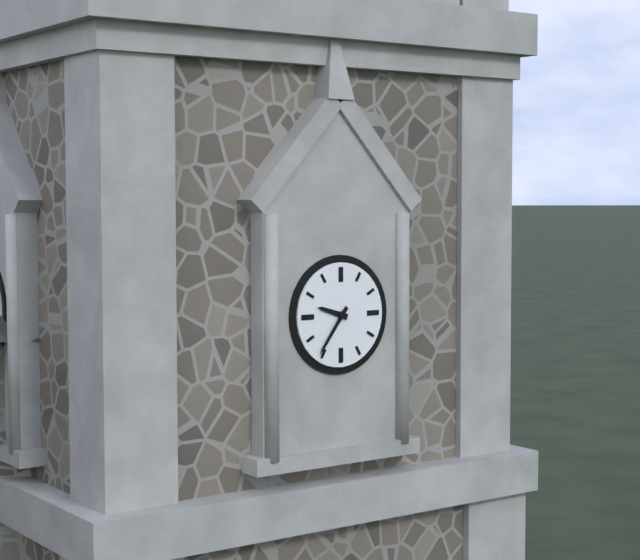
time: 9:36
